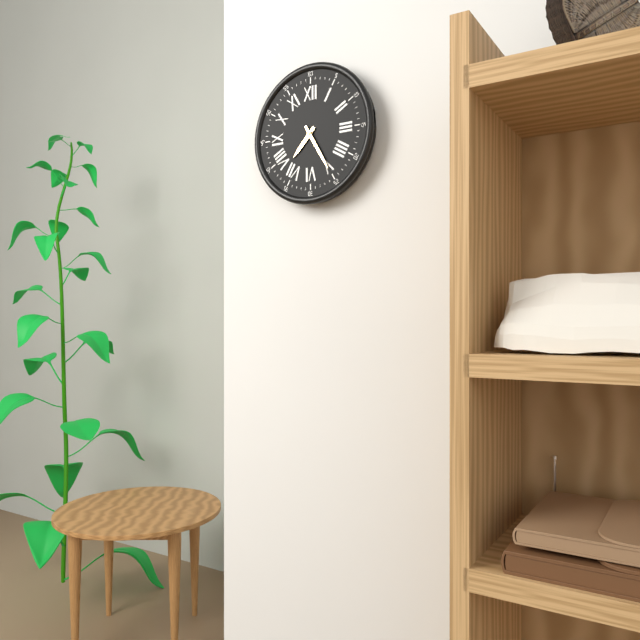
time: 7:25
